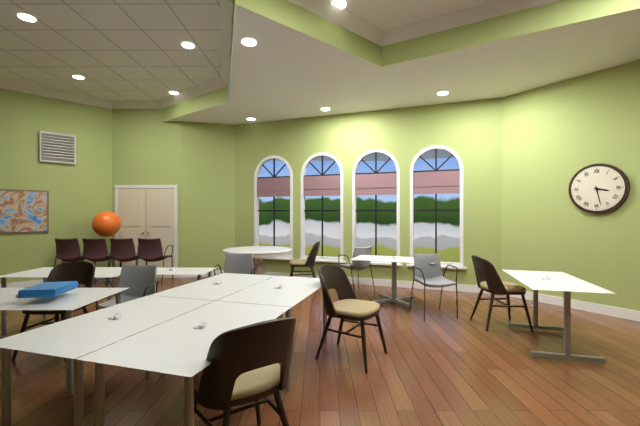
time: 3:28
